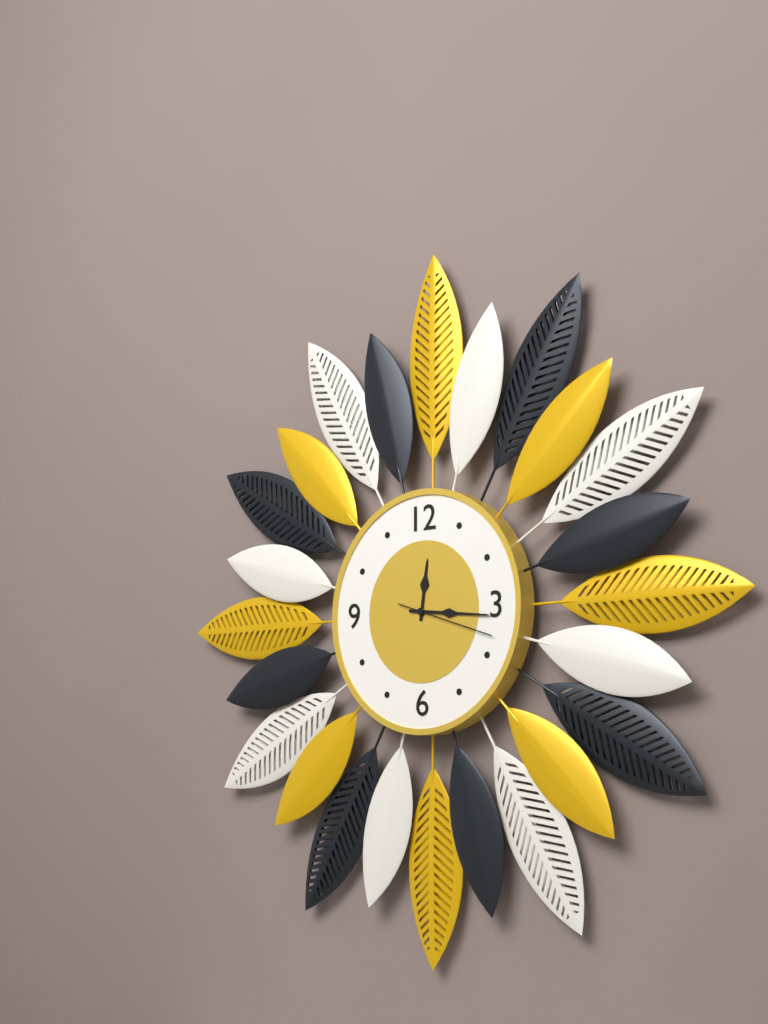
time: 12:16:18
